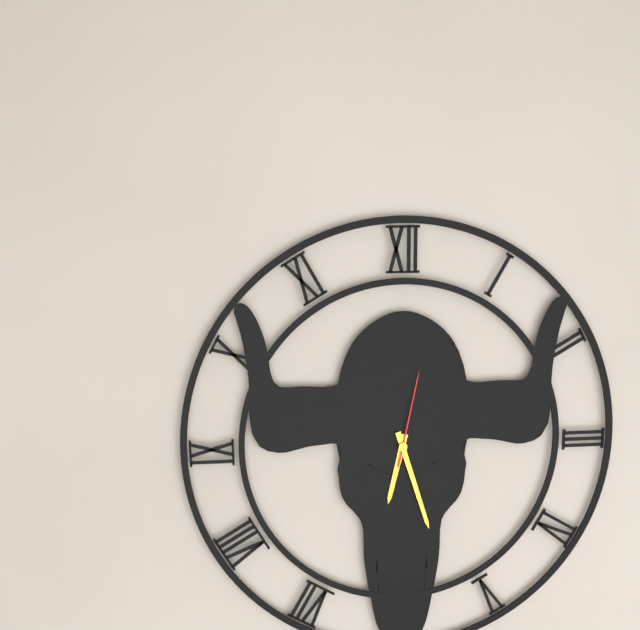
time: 6:27:02
